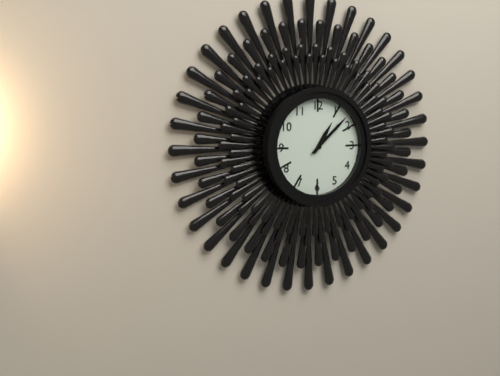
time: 1:08
